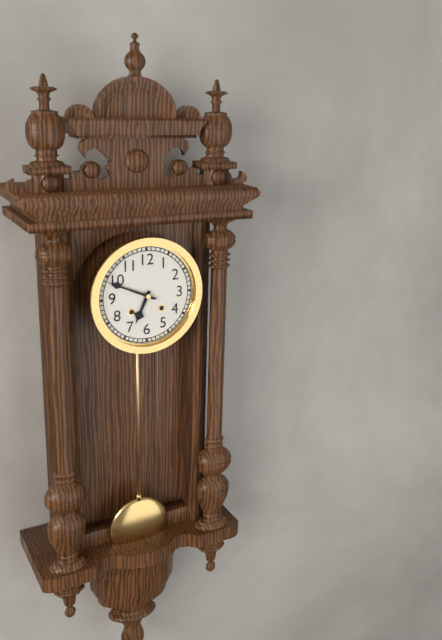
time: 6:49
